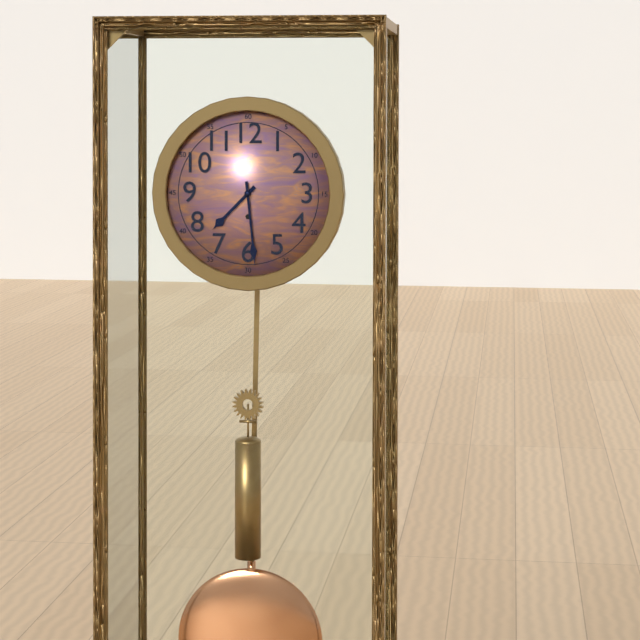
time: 7:29
